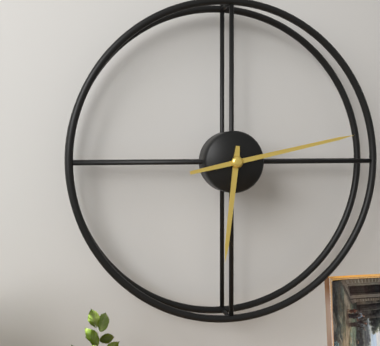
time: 6:13
